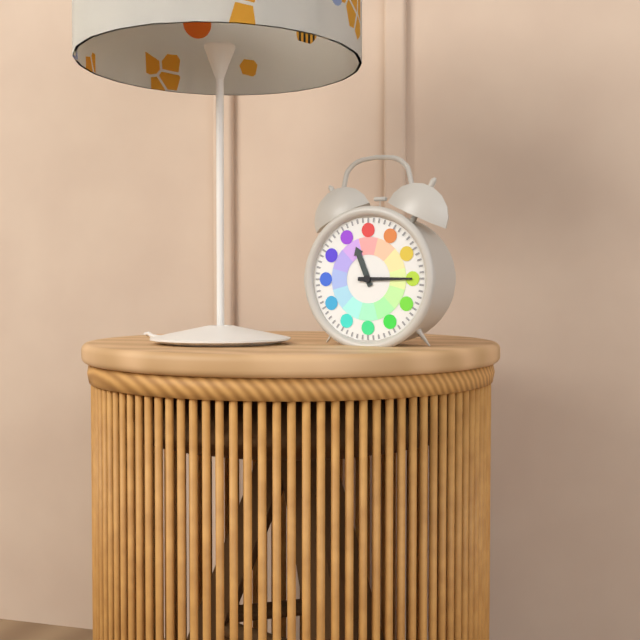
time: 11:15
